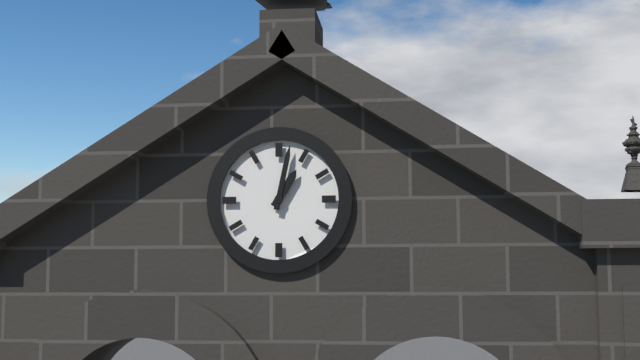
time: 1:02
